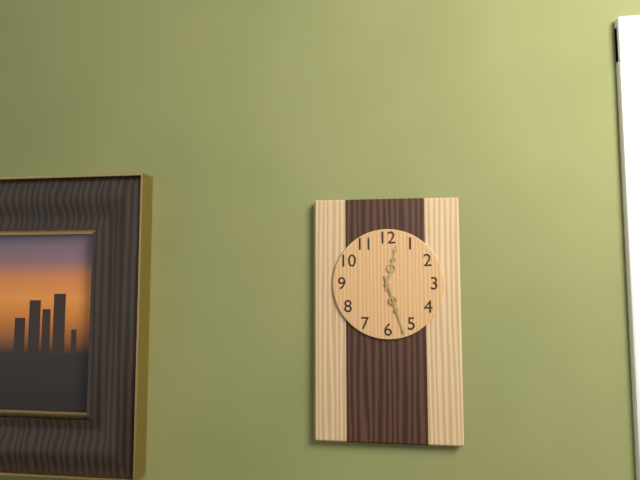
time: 12:27
